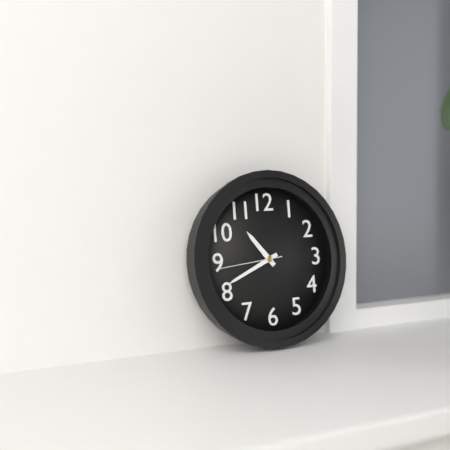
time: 10:41:44
